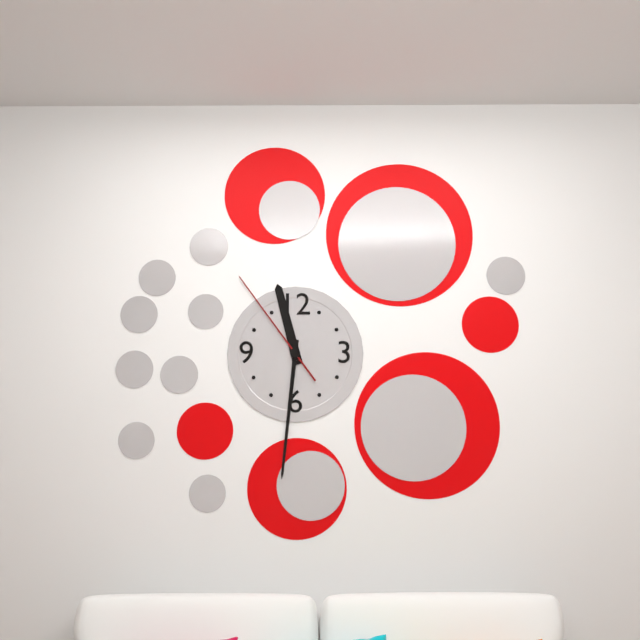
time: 11:31:54
